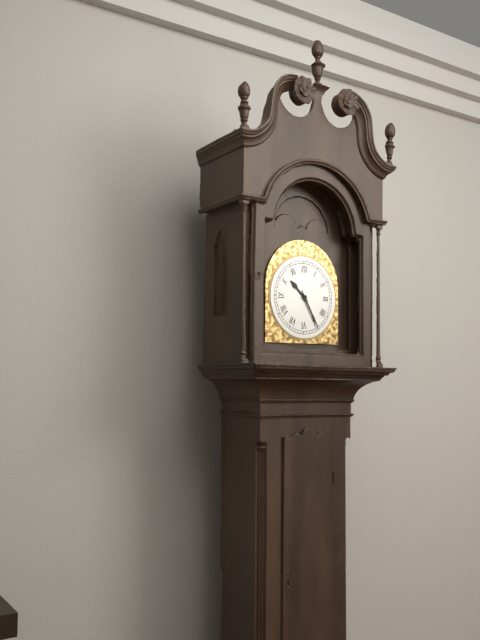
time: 10:25
